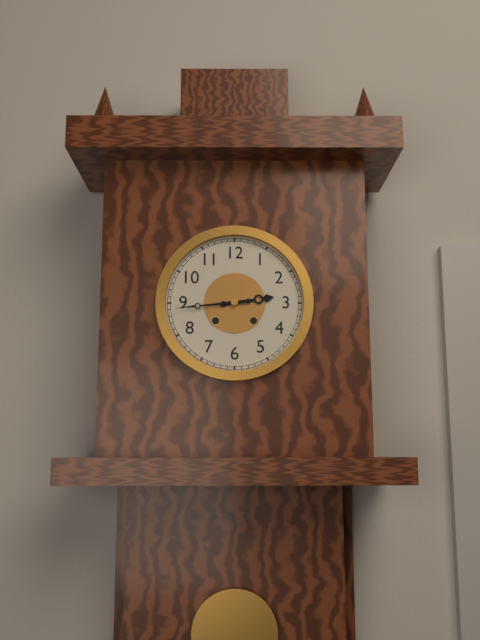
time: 2:44
